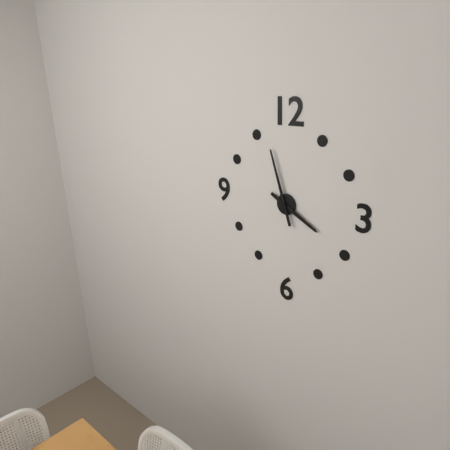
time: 3:57
